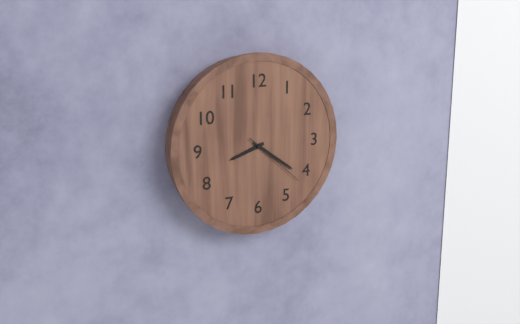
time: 8:21:22
